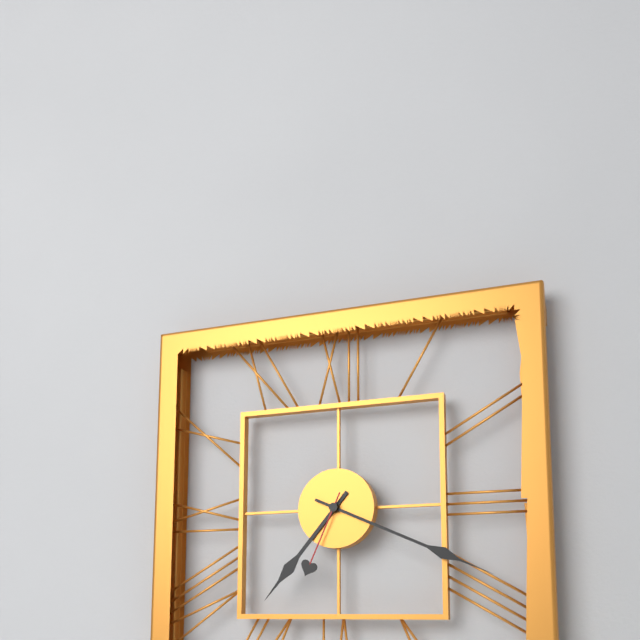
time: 7:19:34
